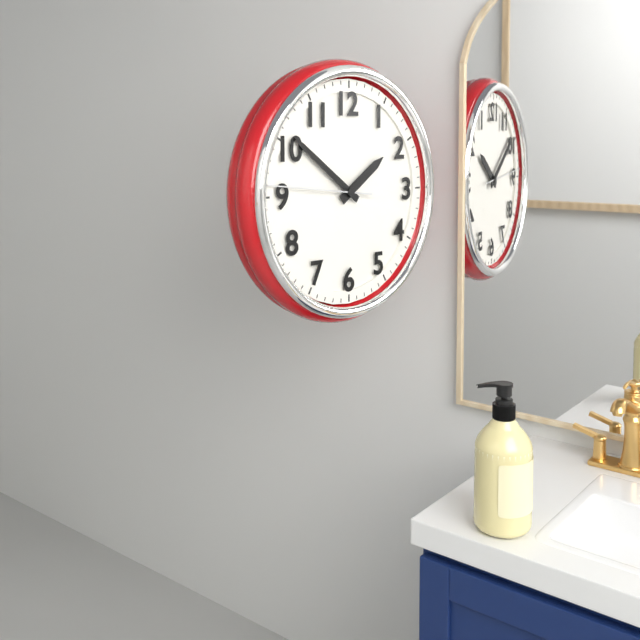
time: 1:51:46
